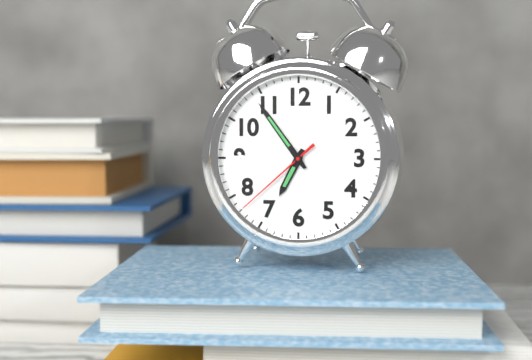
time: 6:54:38
